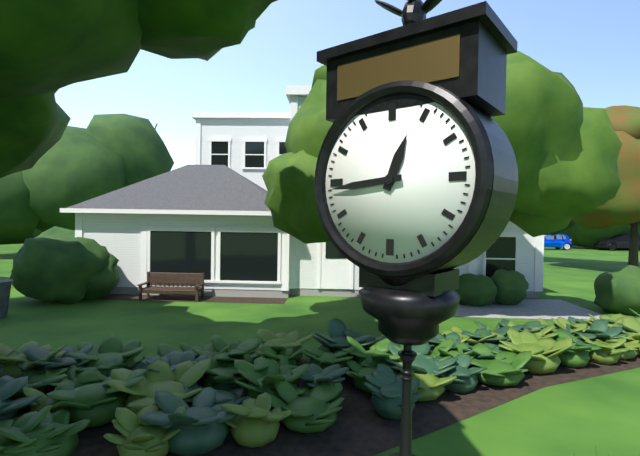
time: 12:44
